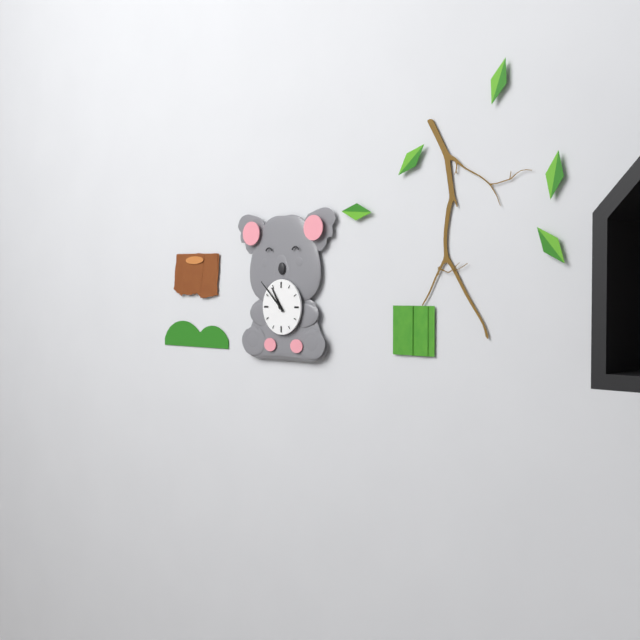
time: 10:52
